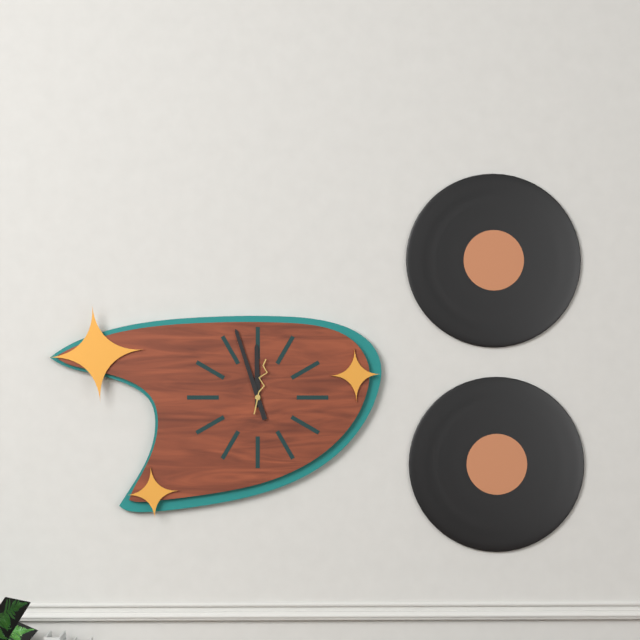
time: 11:57
